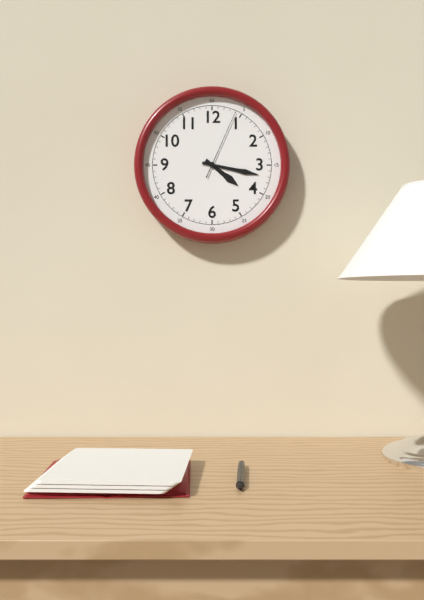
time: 4:17:04
